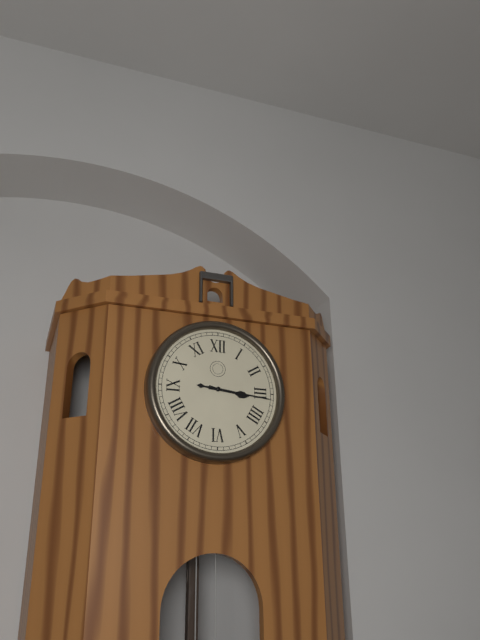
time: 3:16
